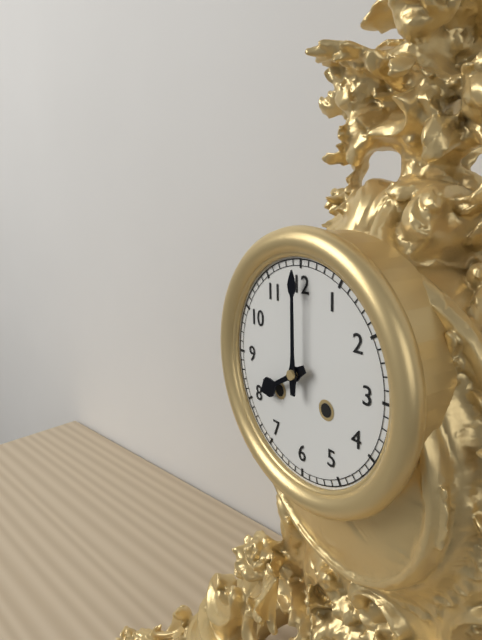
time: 8:00
